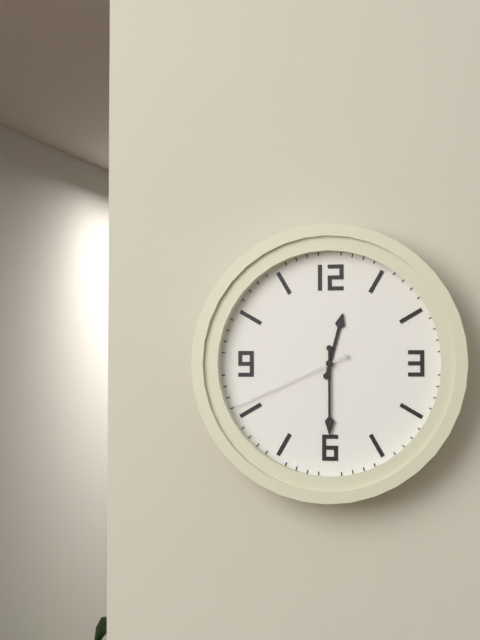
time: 12:30:41
